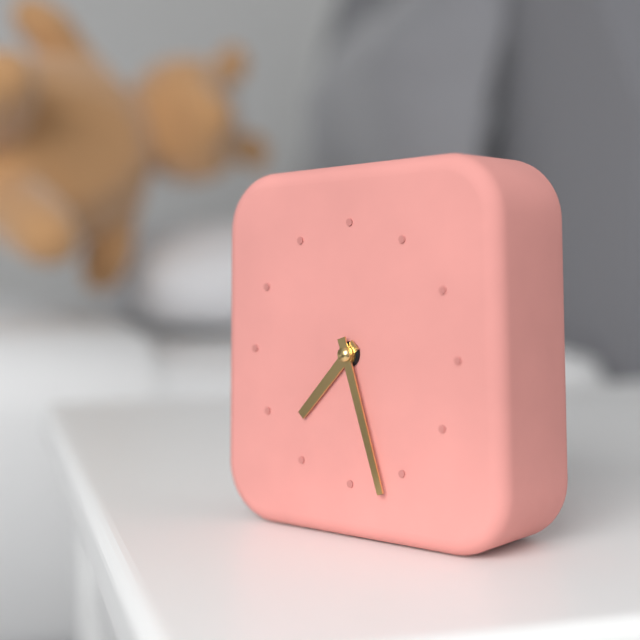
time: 7:27
